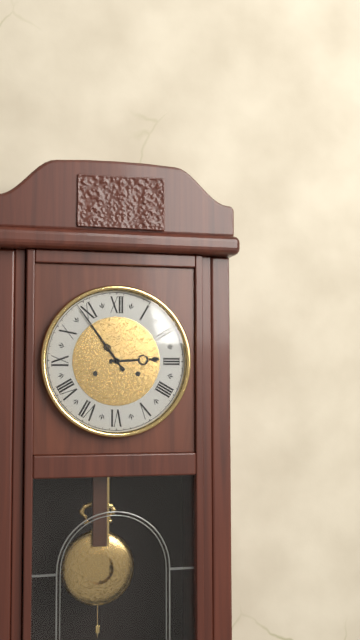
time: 2:54
